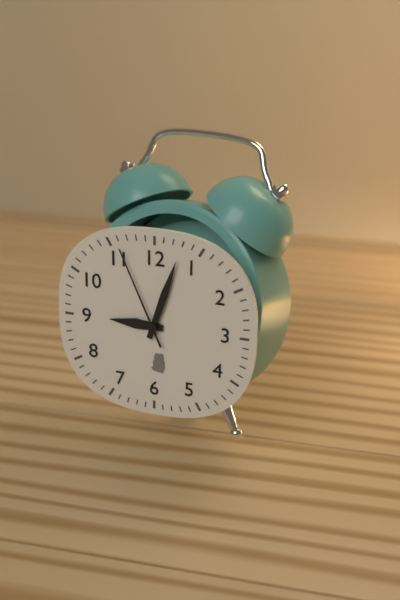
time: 9:03:56
